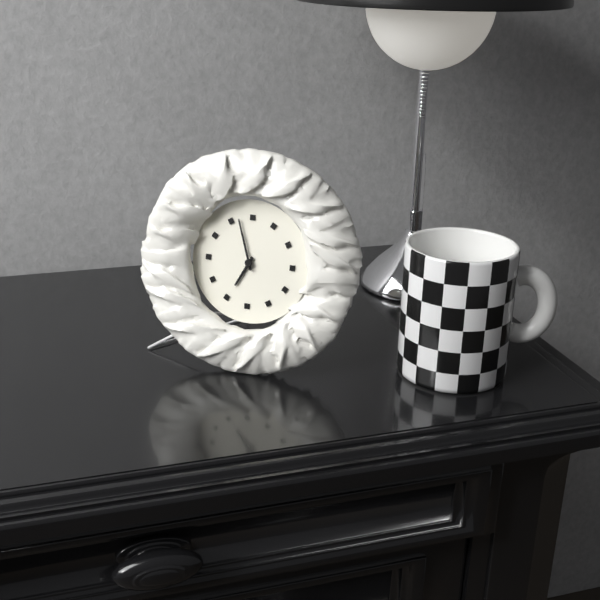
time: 6:57
